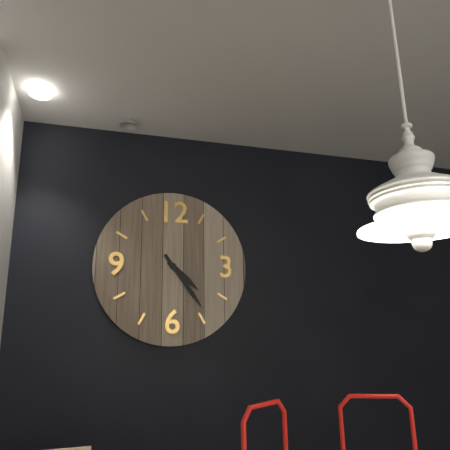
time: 4:24
